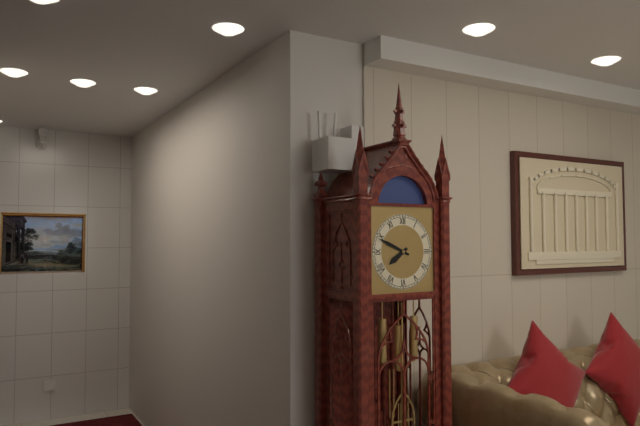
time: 7:49
